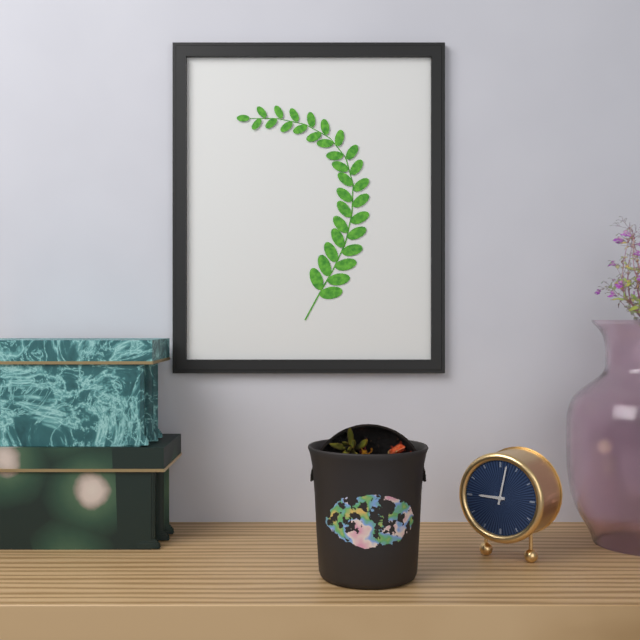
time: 9:02
